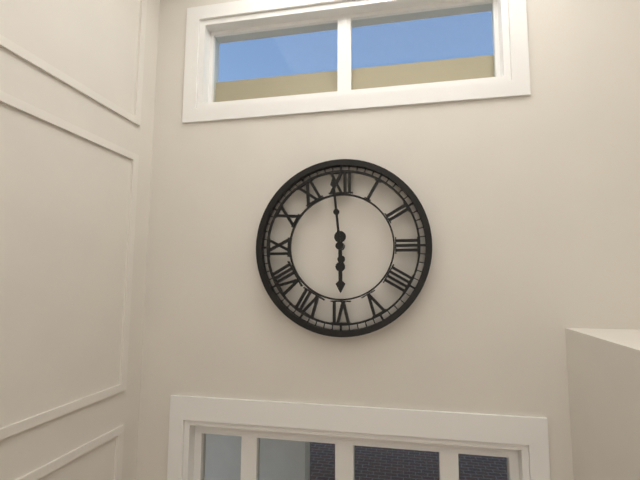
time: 5:59
